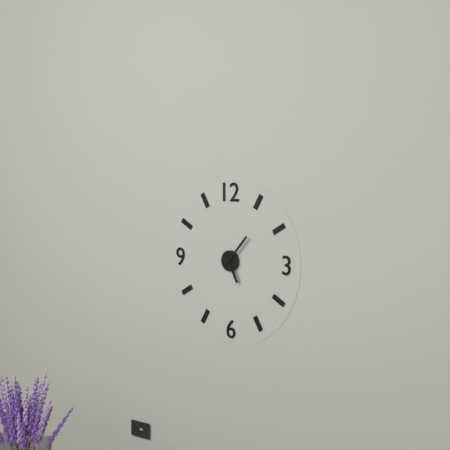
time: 5:07
